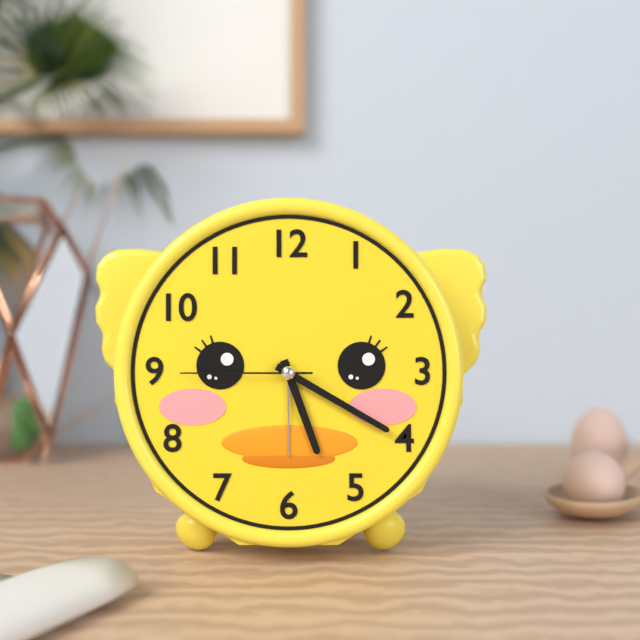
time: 5:20:45
